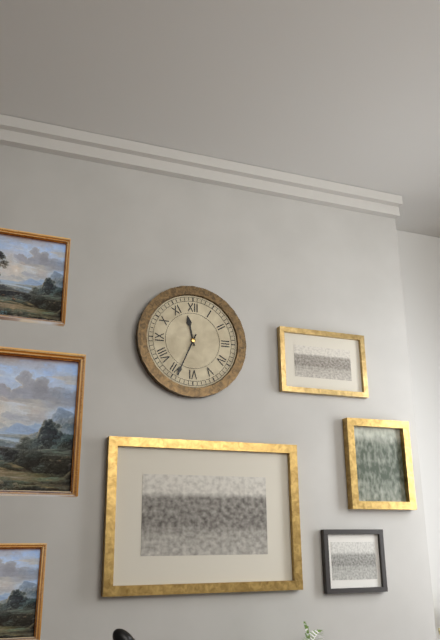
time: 11:34
